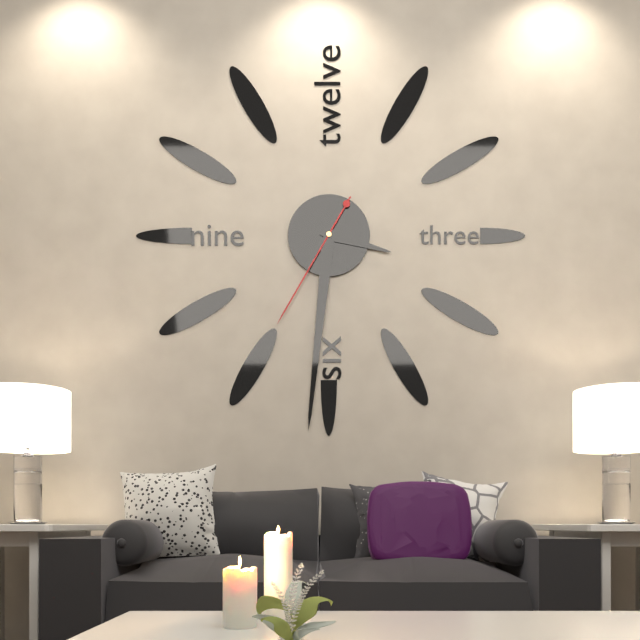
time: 3:31:35
